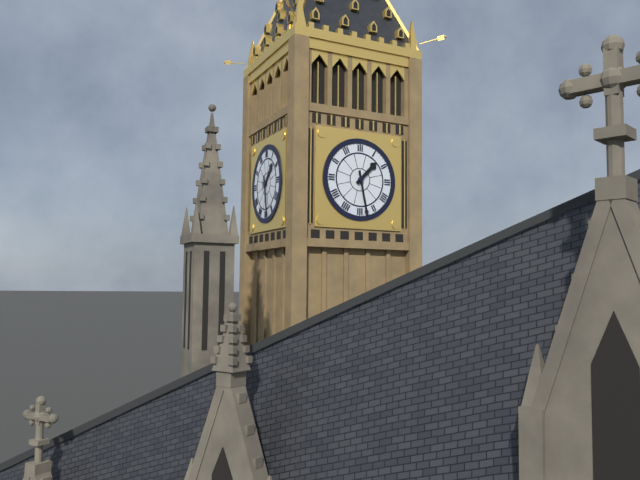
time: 1:28
